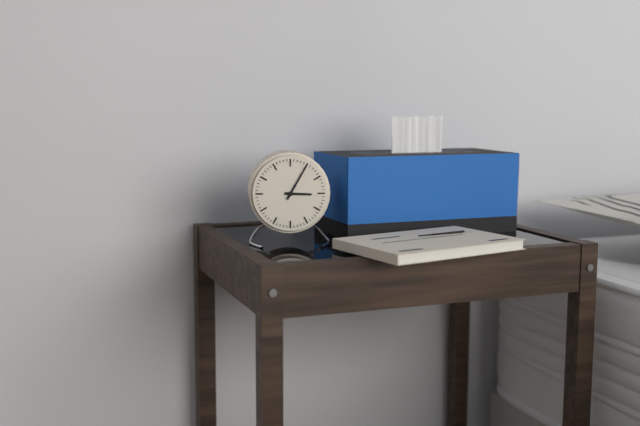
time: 3:05
